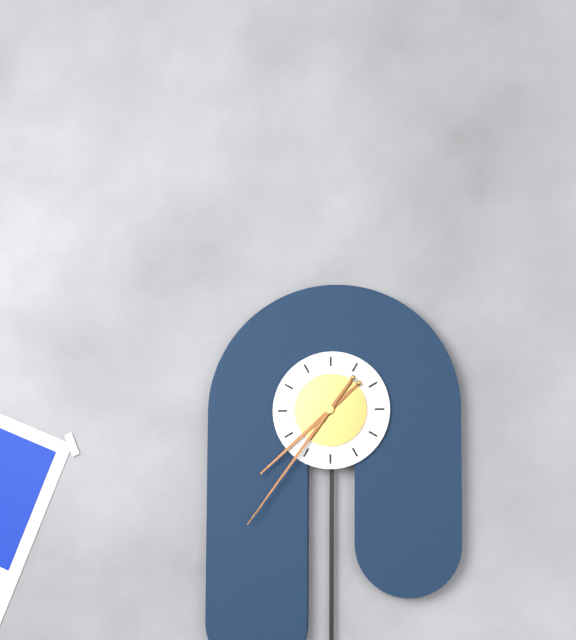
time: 7:36
